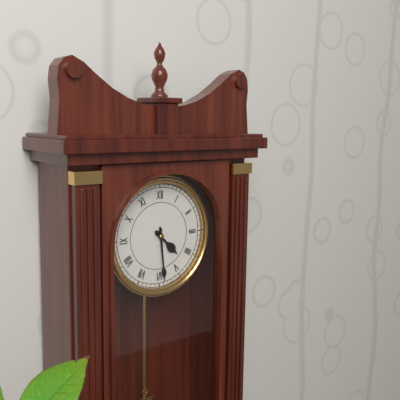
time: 4:29
